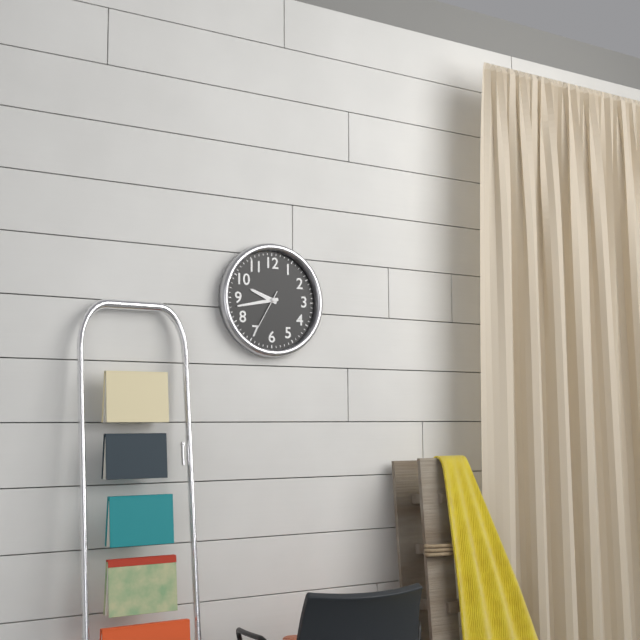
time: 9:43
